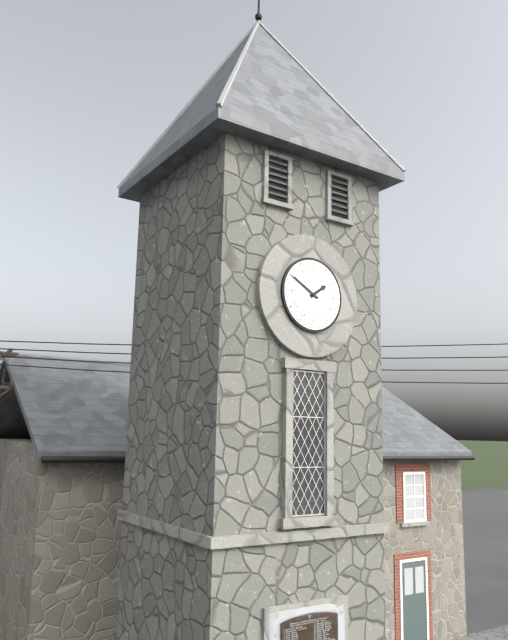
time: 1:50
